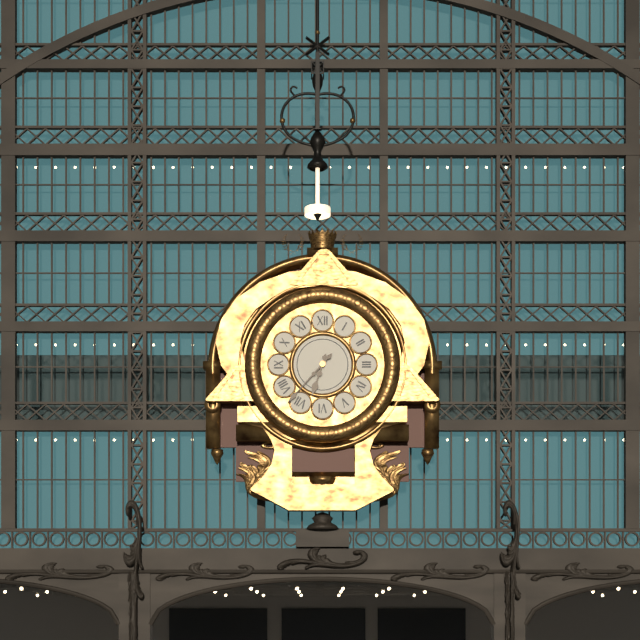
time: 6:37
